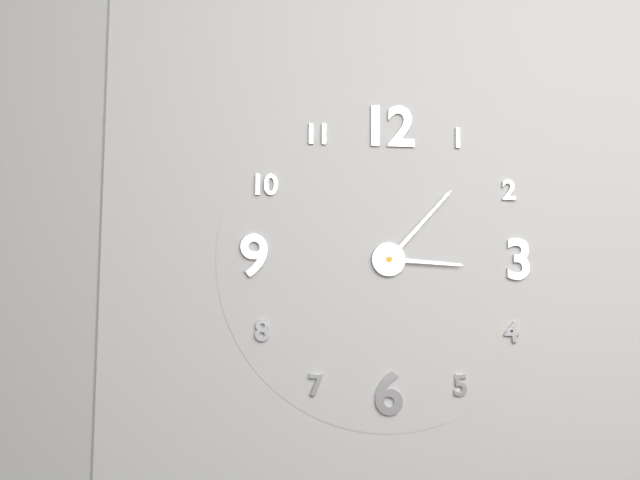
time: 3:07
